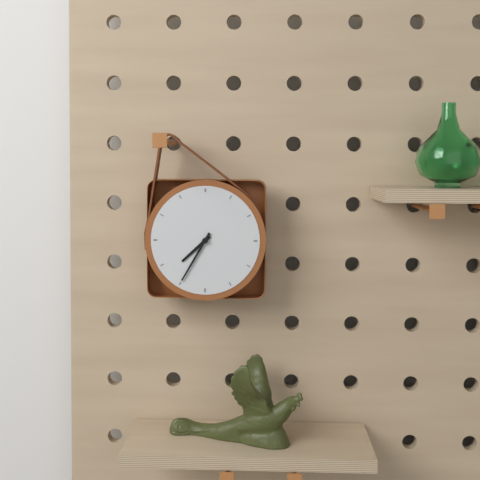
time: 7:35
